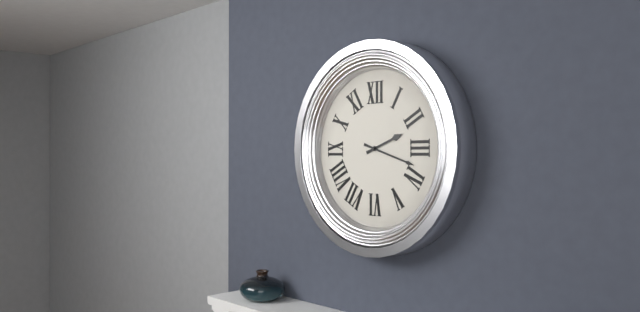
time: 2:18
